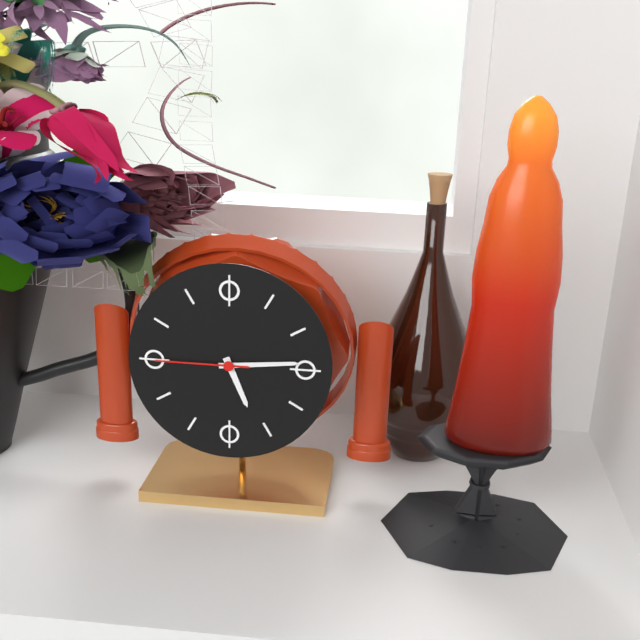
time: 5:14:45
